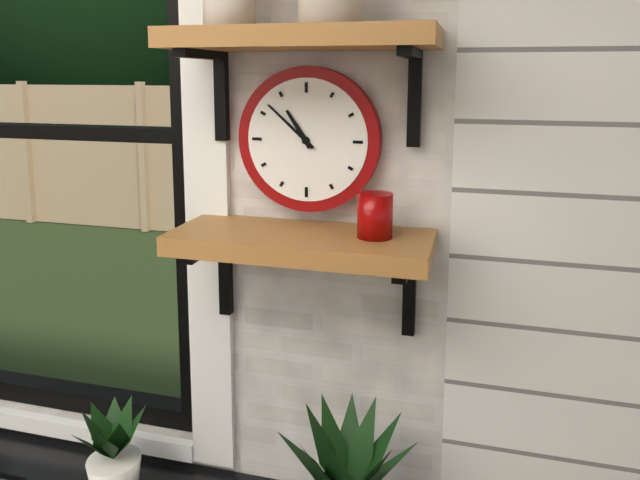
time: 10:52
